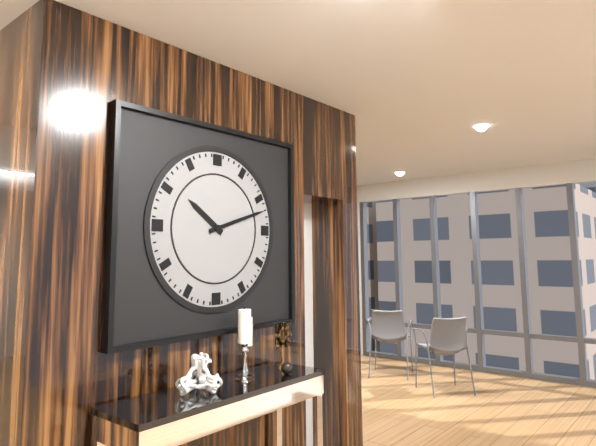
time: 10:12
